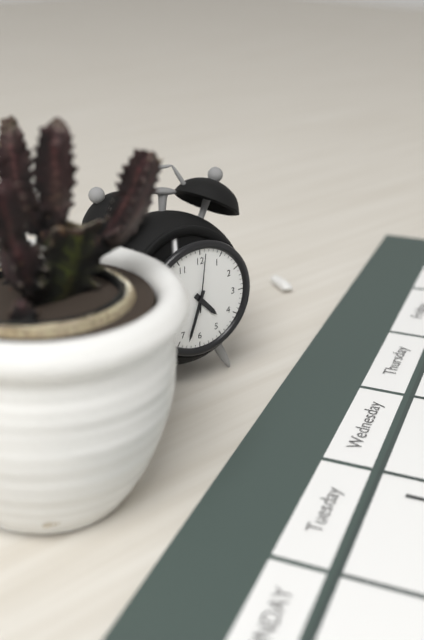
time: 4:33:01
